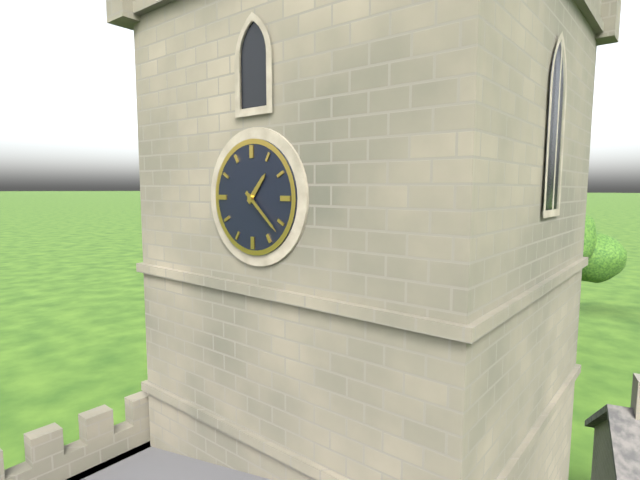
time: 1:22
